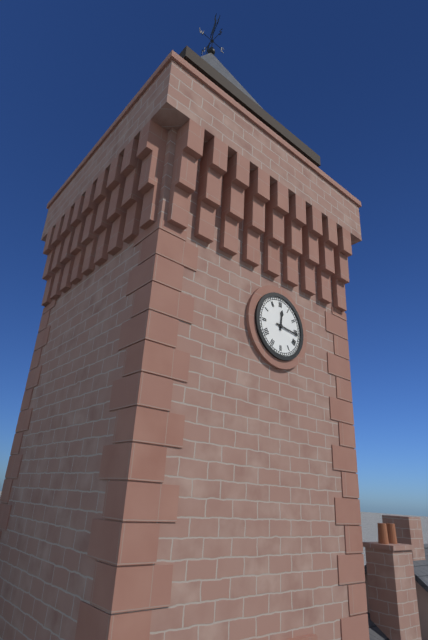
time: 12:16
